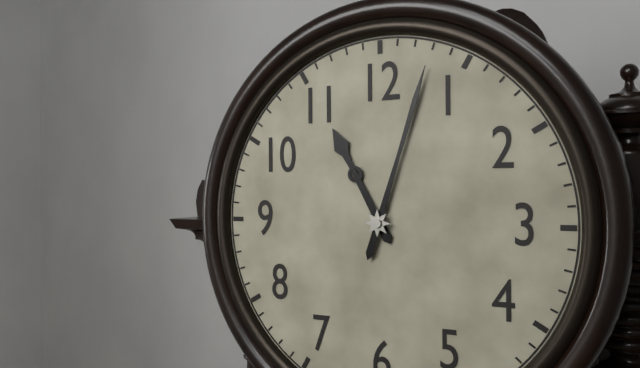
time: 11:03
